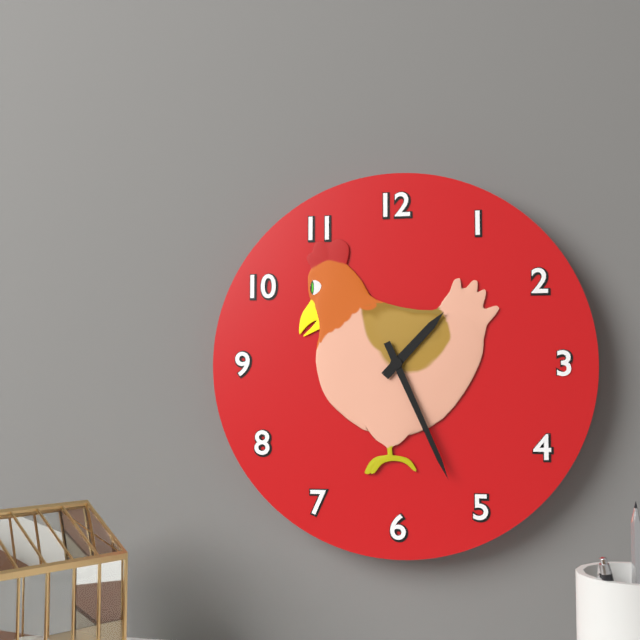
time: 1:26
